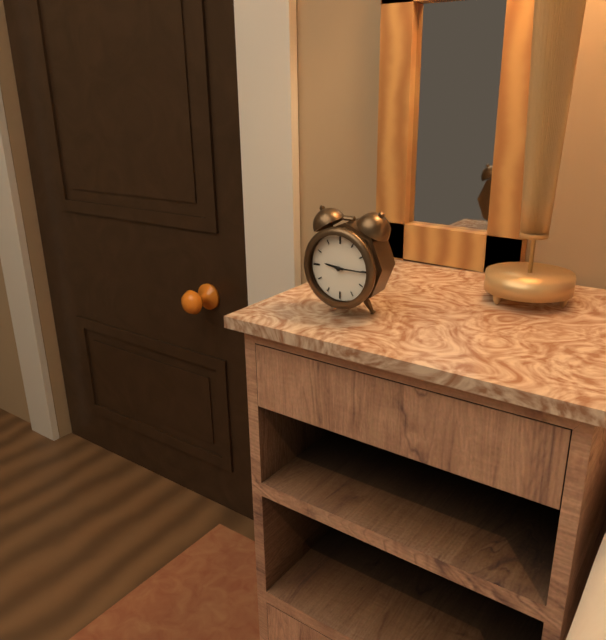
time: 9:15
